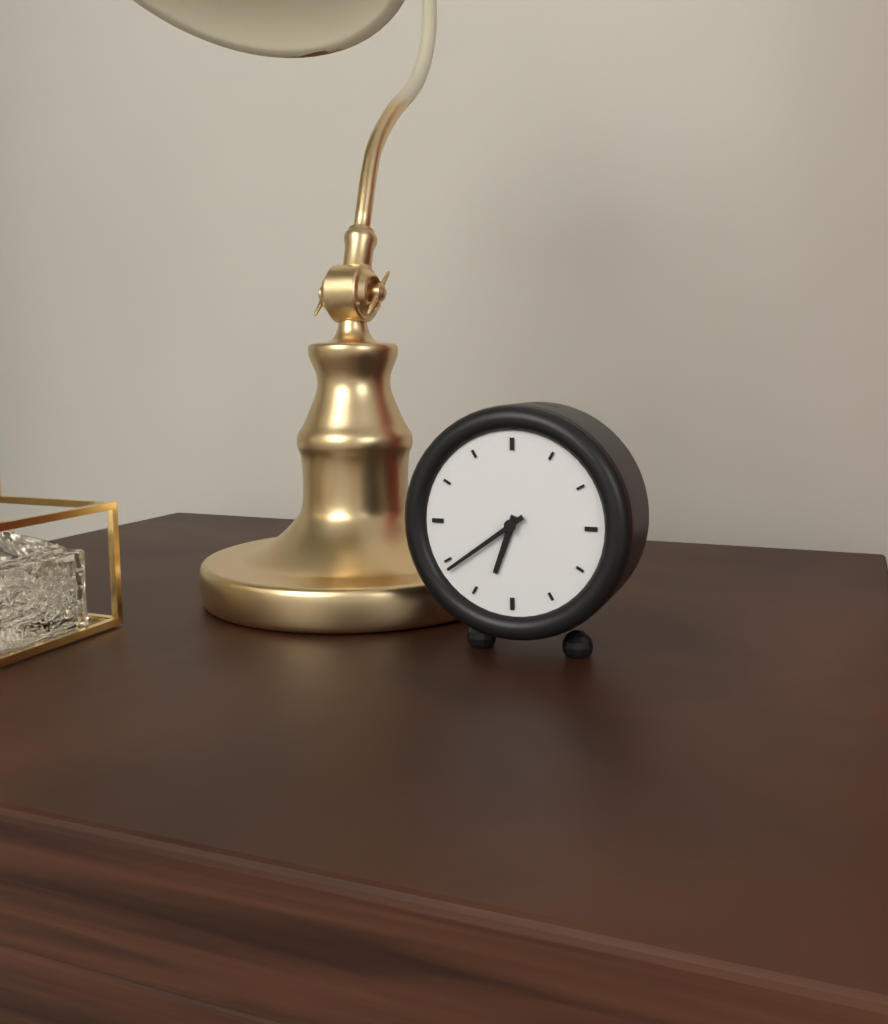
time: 6:39
